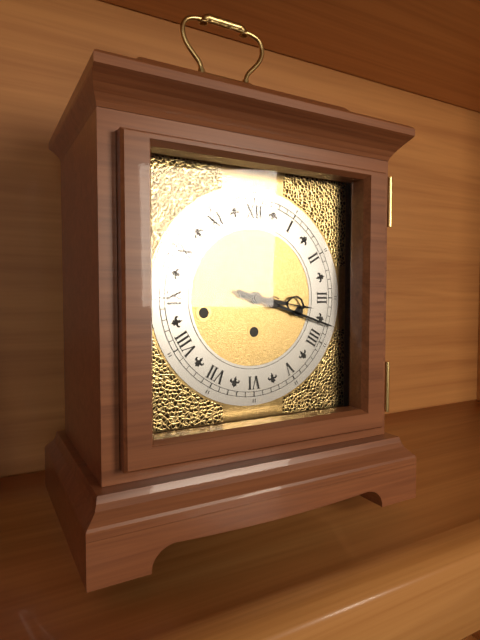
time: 3:18
